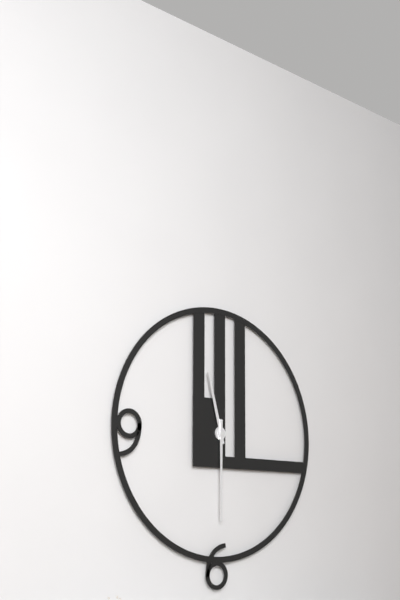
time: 11:30
